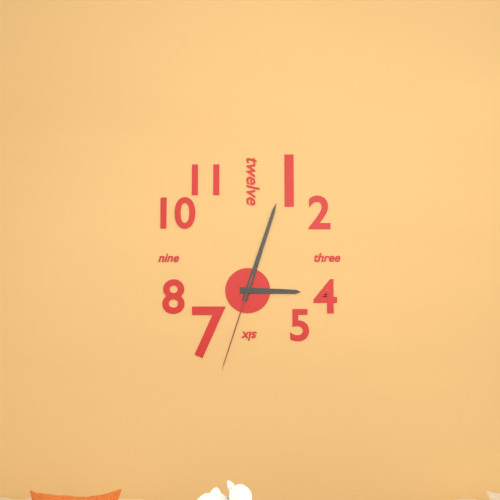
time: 3:03:33
